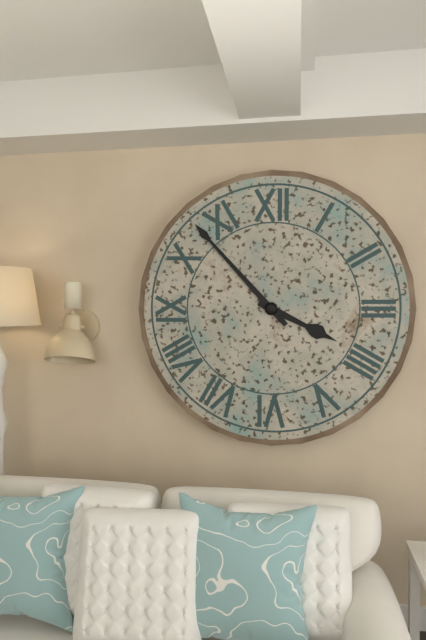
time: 3:53
